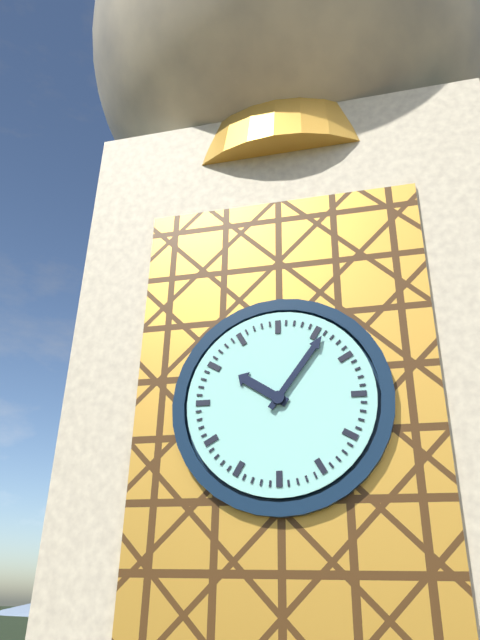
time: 10:06
